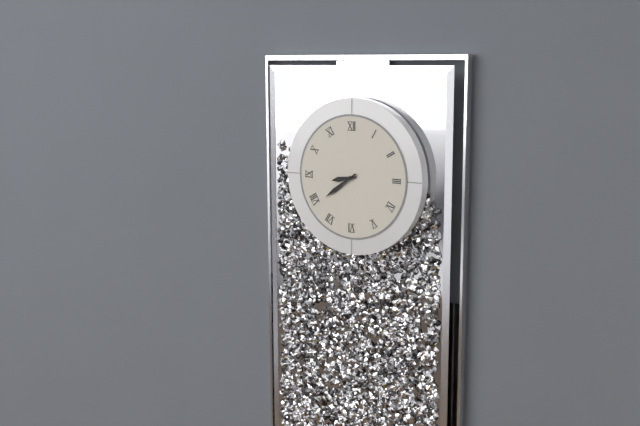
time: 8:39
